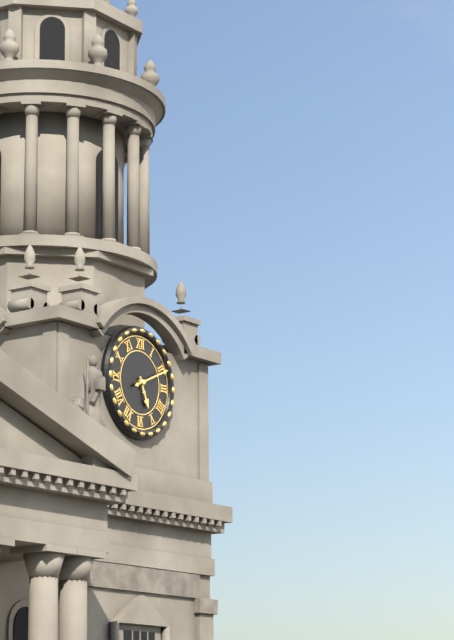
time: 5:11
